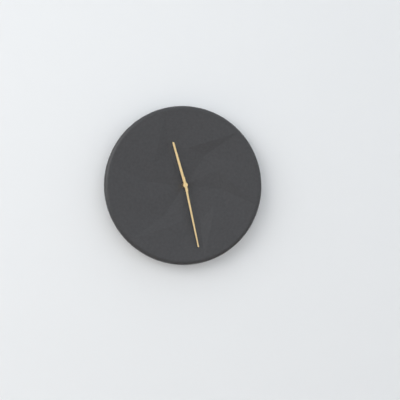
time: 11:28
